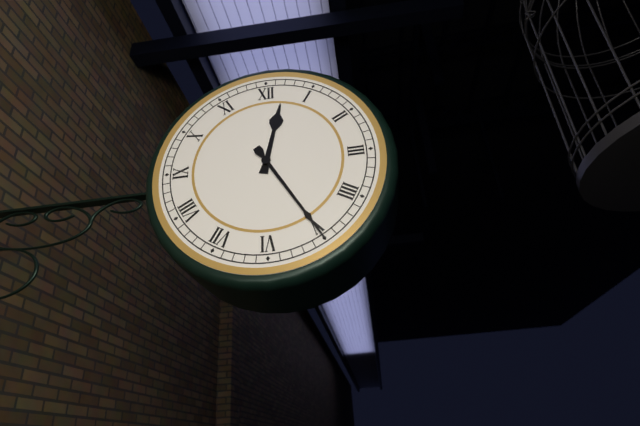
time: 12:25
